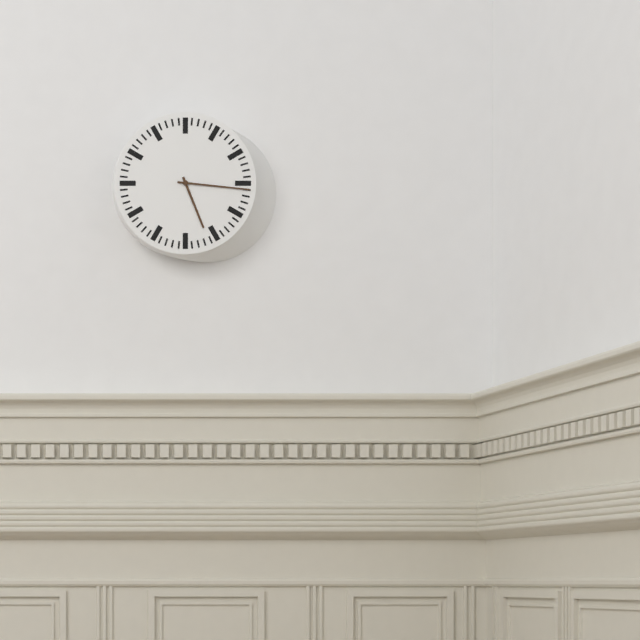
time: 5:16
